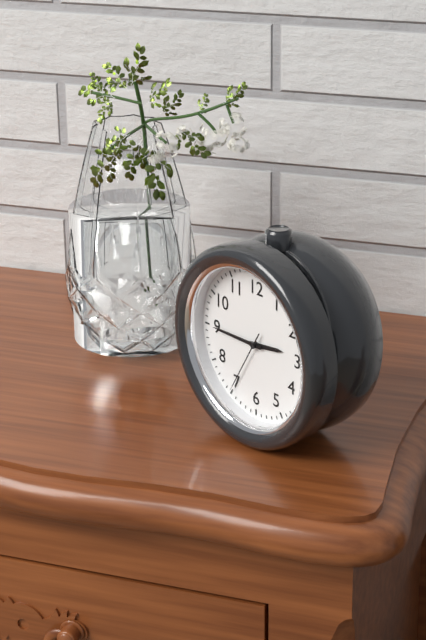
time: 2:45:35
